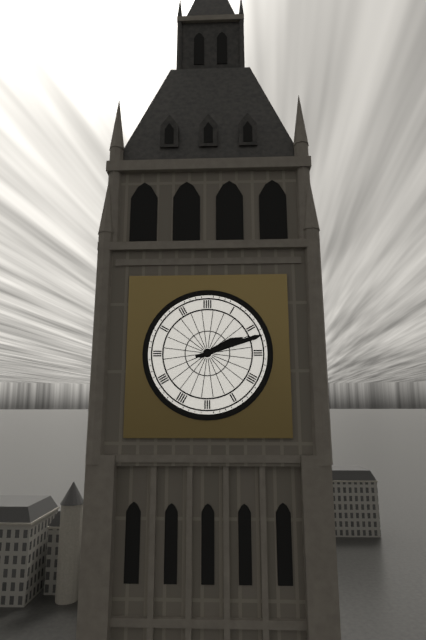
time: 2:12
